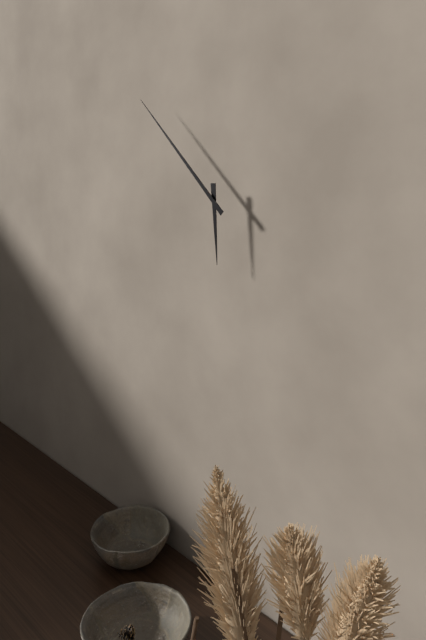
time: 5:52
